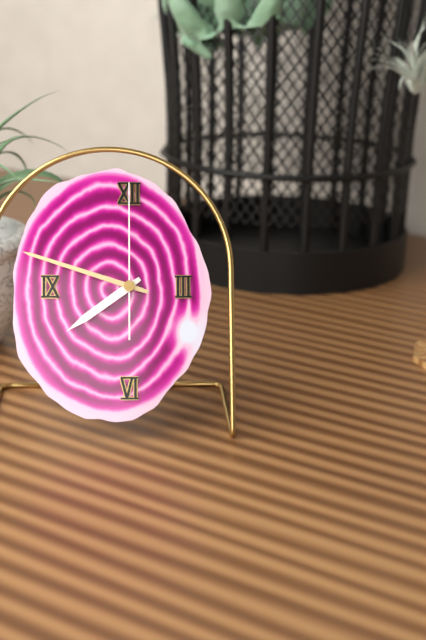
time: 7:48:00
